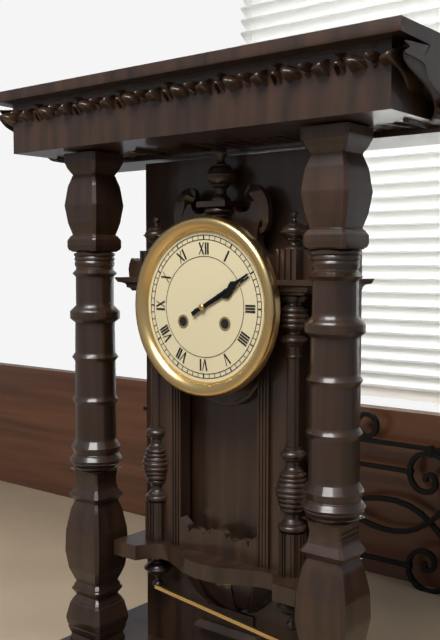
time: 2:10
